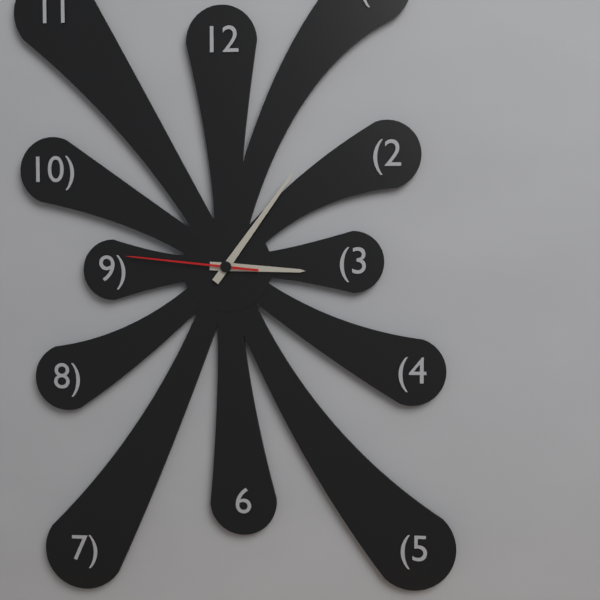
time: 3:06:46
